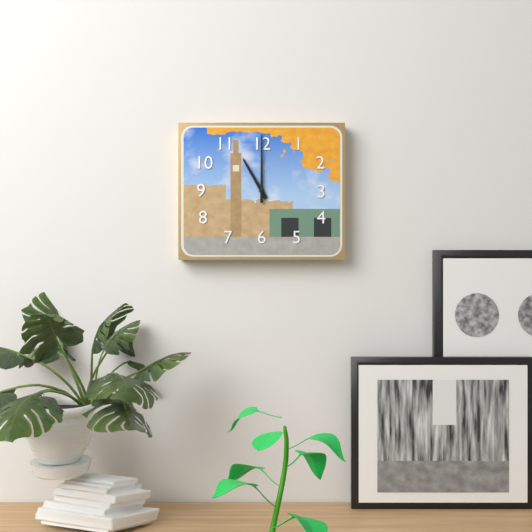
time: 11:00
